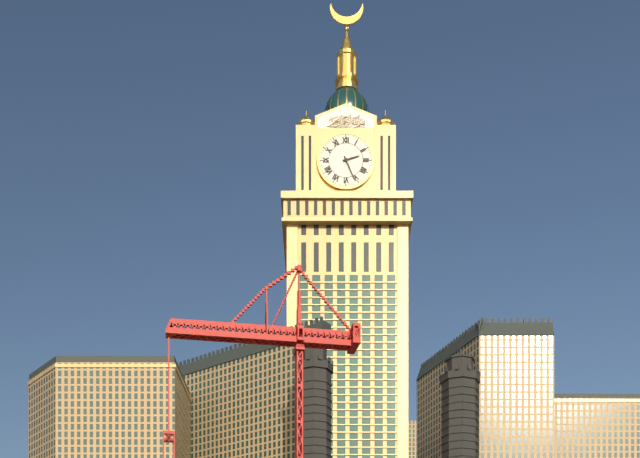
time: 2:26
